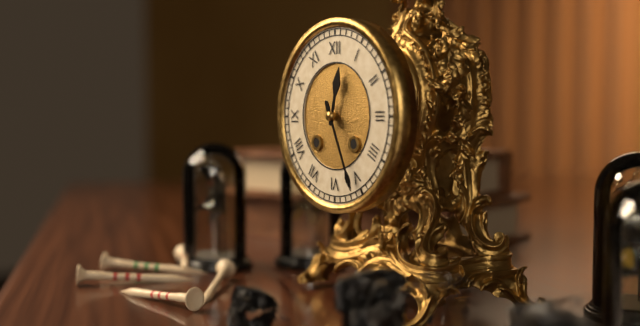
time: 12:26
